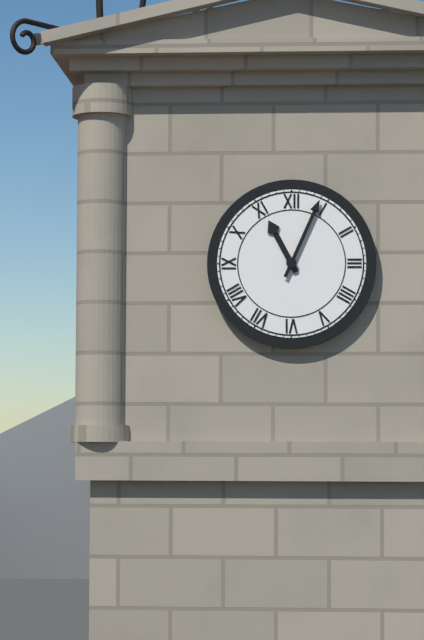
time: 11:04
